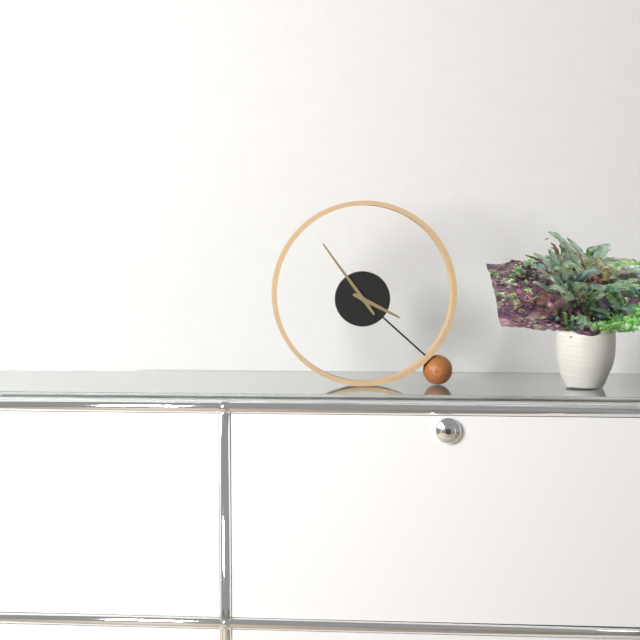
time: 3:54
